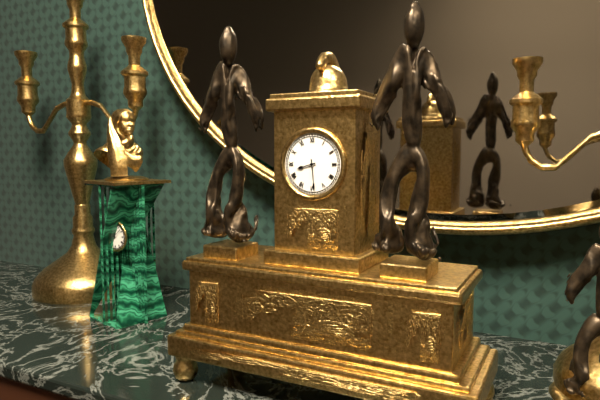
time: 8:29
